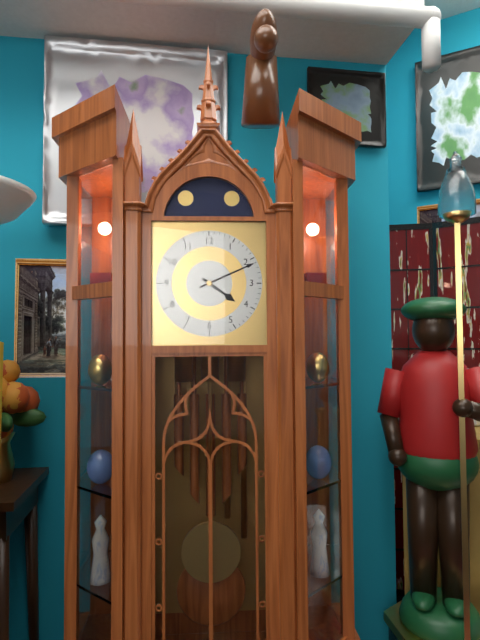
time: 4:11
